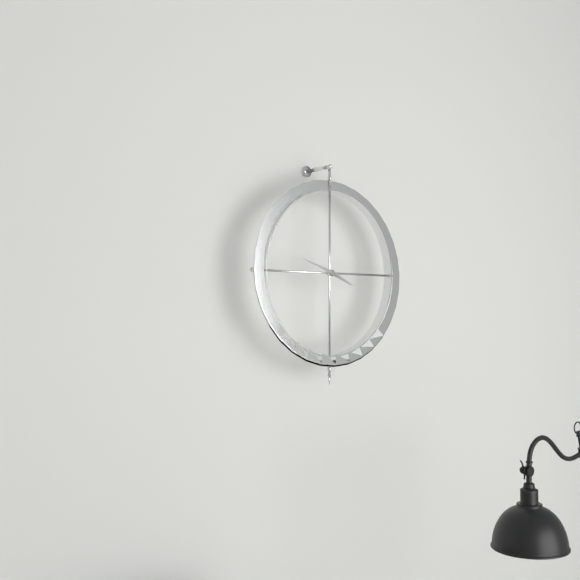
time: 3:48
